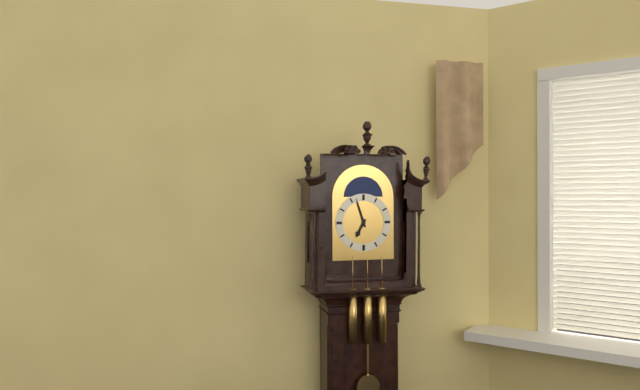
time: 6:57
